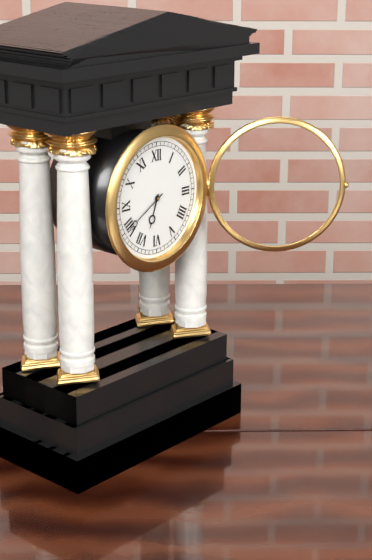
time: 6:40
